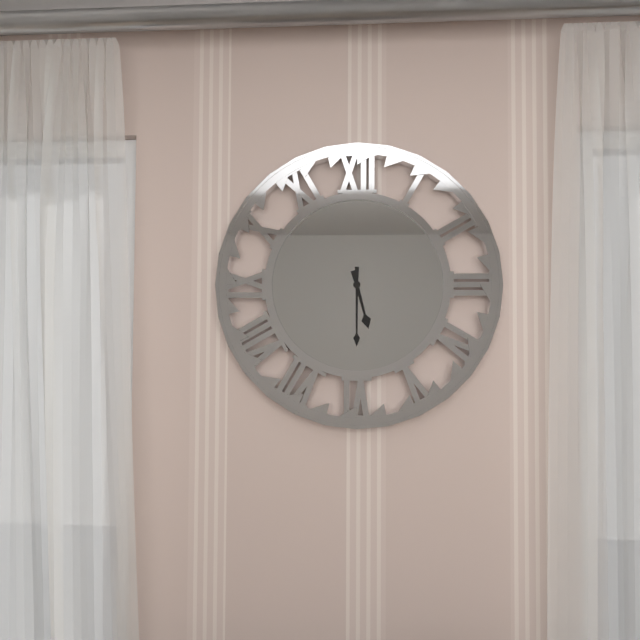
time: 5:30
